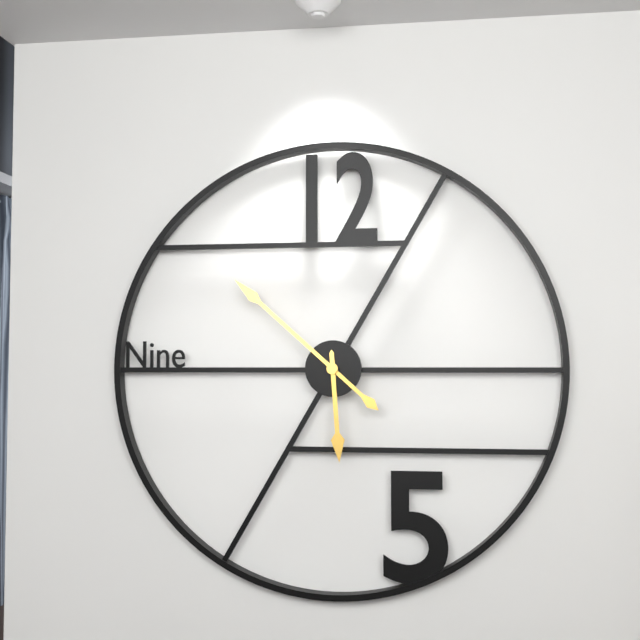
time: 5:52
